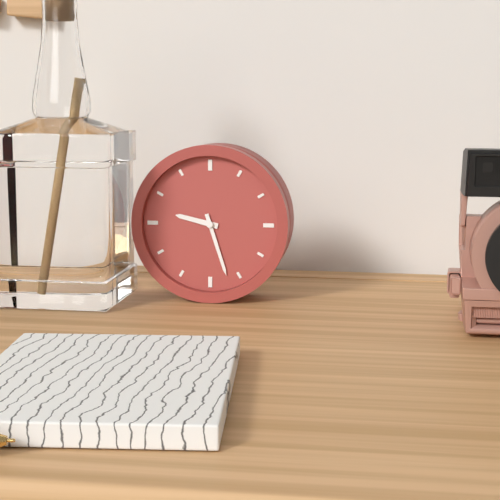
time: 9:27
